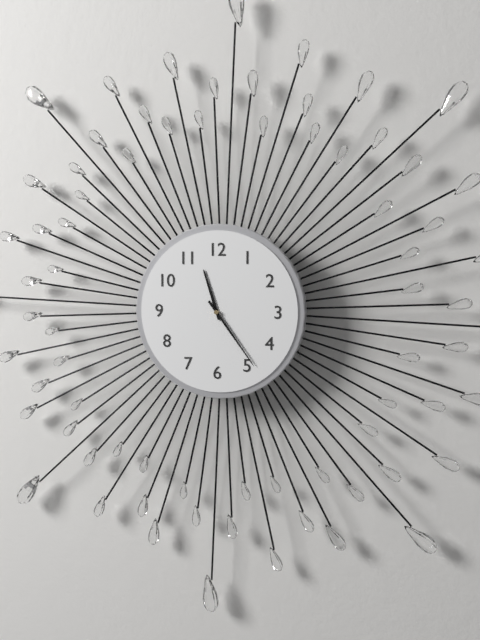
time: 11:24
